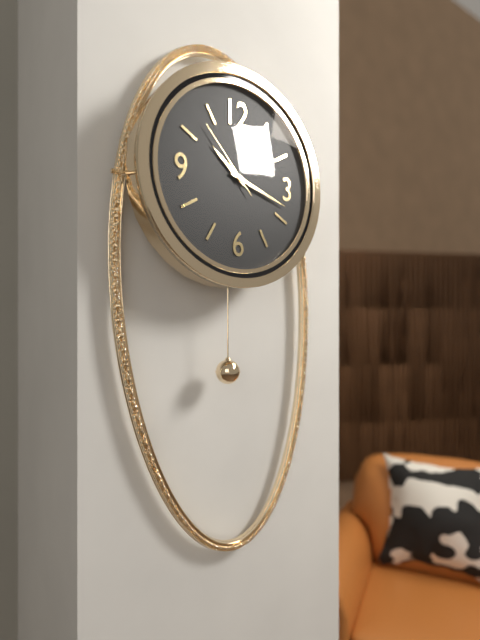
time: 10:18:53
